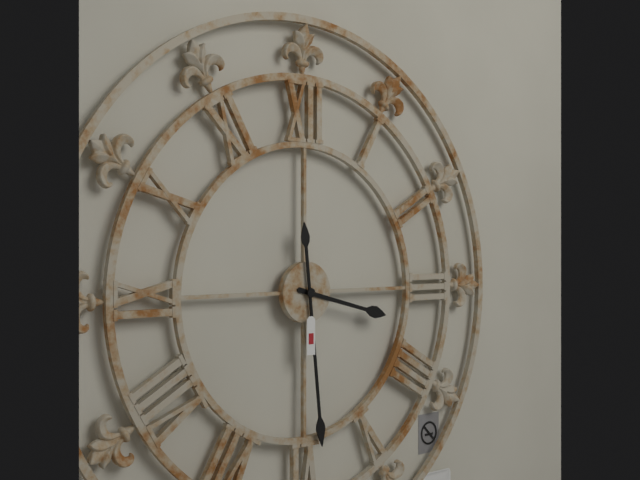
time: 3:29
